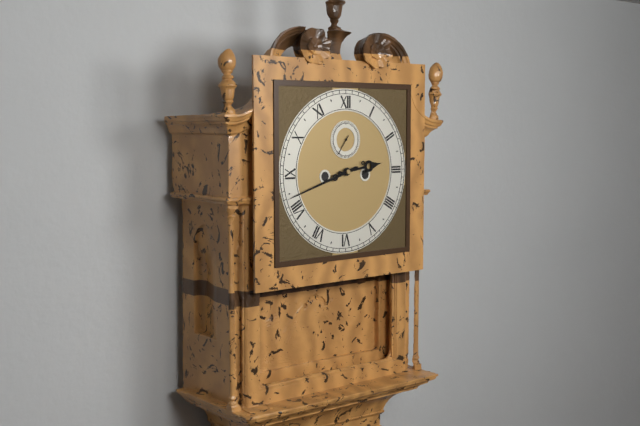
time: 2:42
